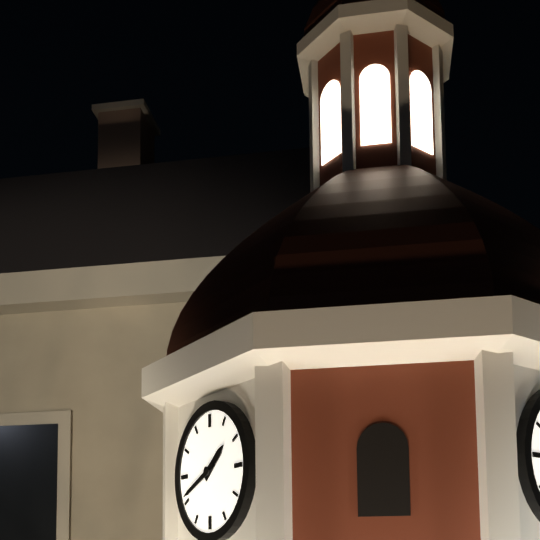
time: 1:41
